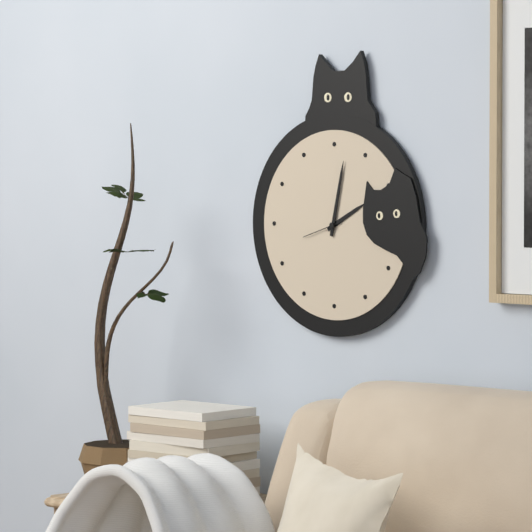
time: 2:02
